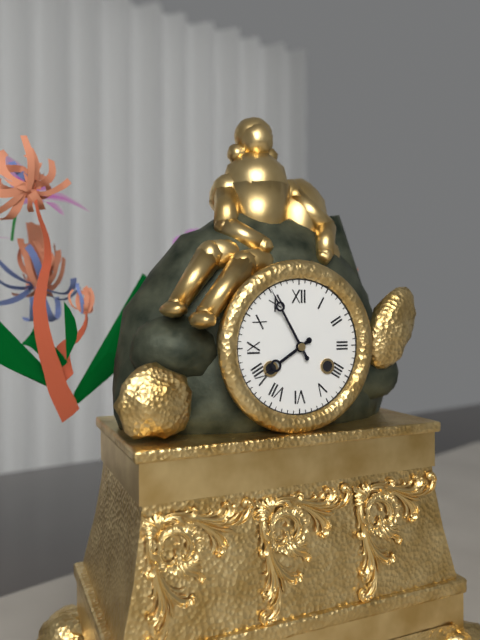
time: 7:55
